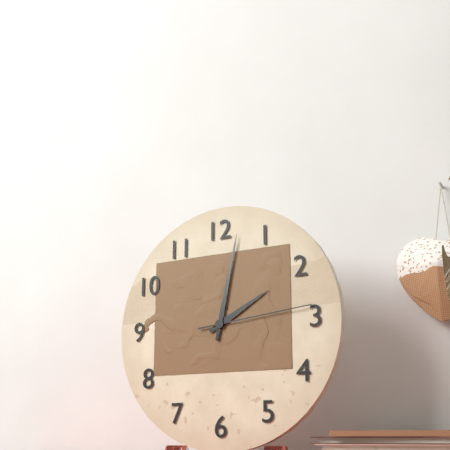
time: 2:02:14
